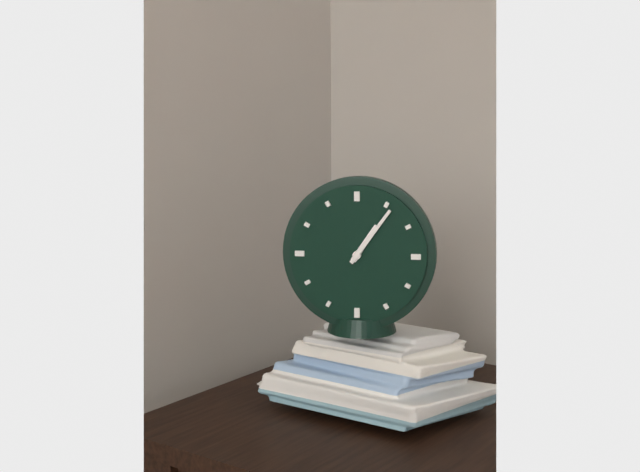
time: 1:06
